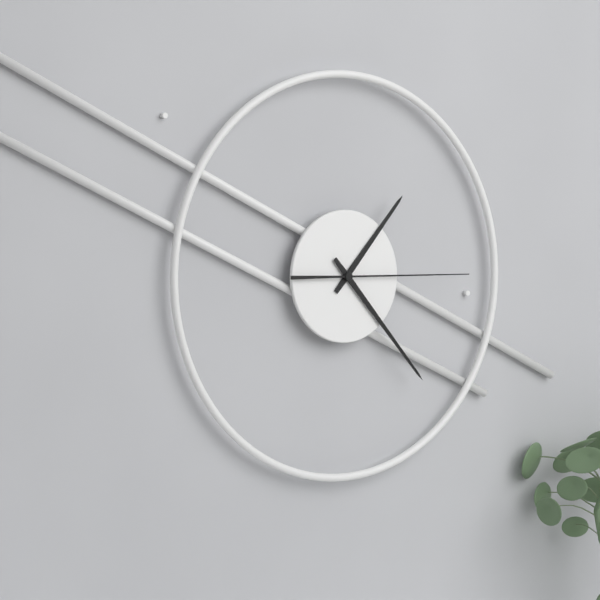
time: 1:23:15
